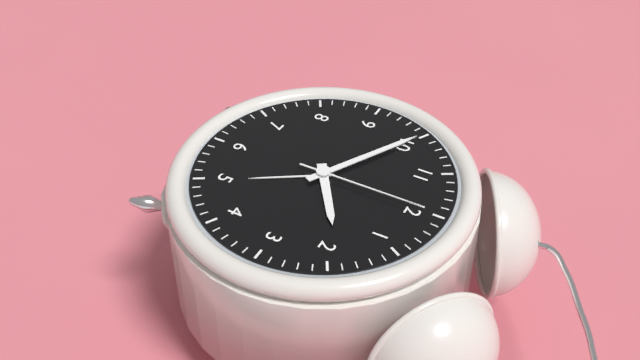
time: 1:50:00
